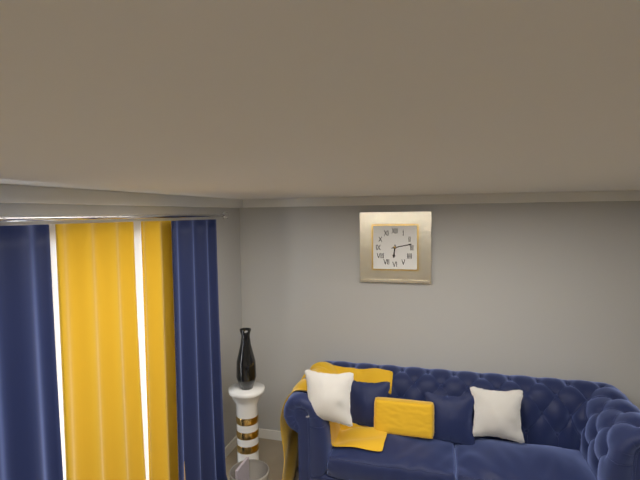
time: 6:13
